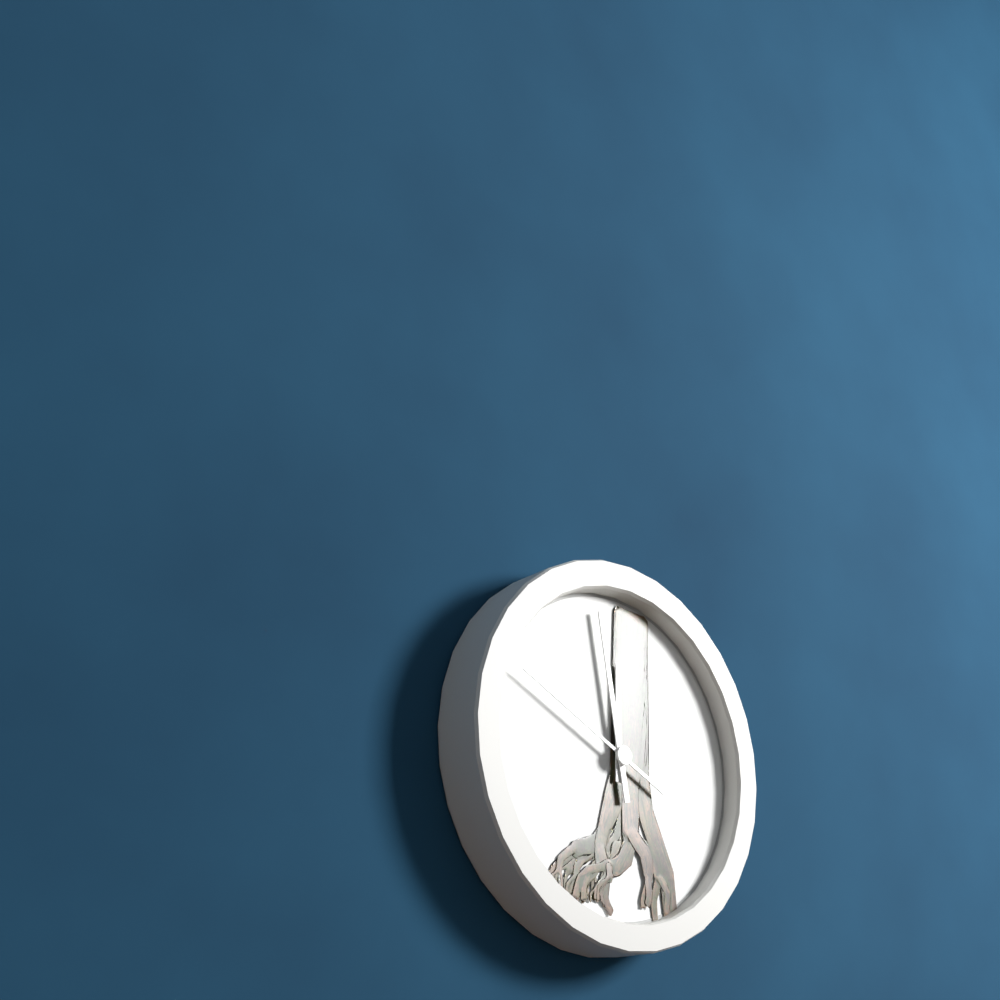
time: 11:58:49
